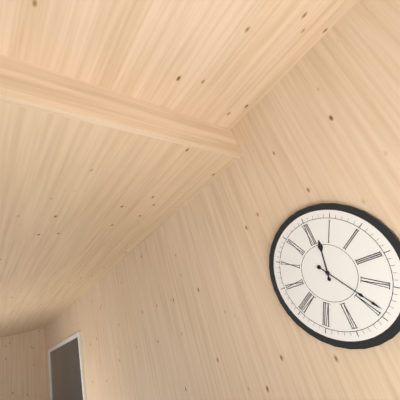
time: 12:24
